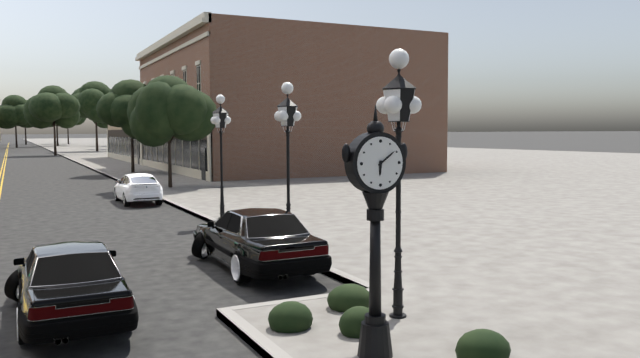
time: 6:09
